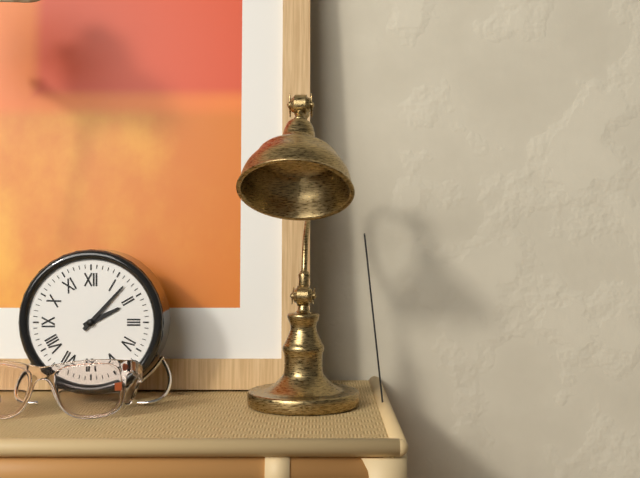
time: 2:07
